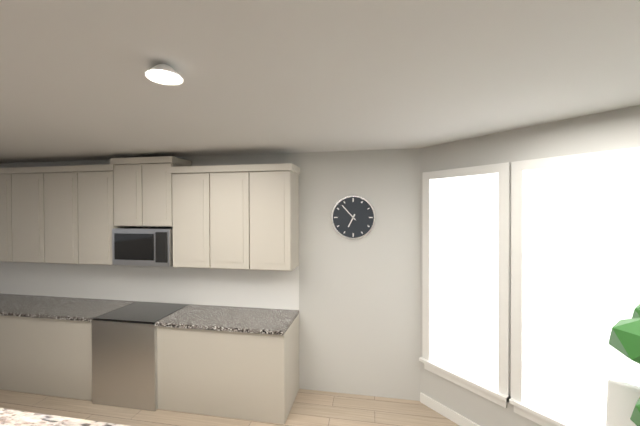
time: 6:53
